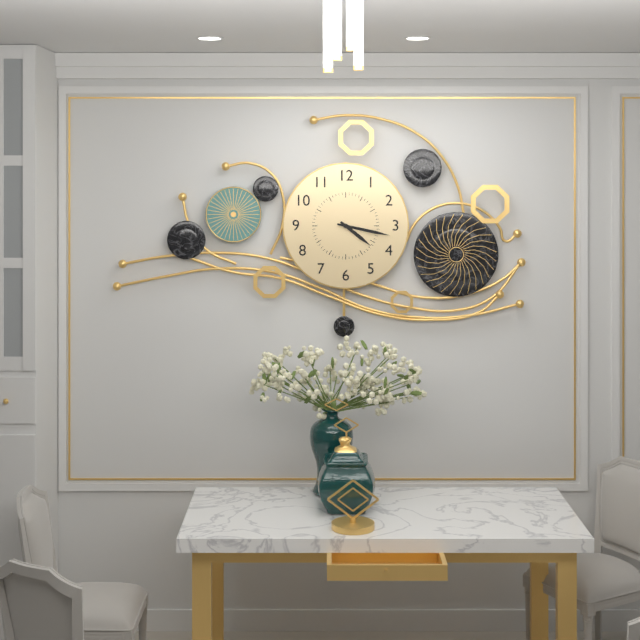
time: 4:17
